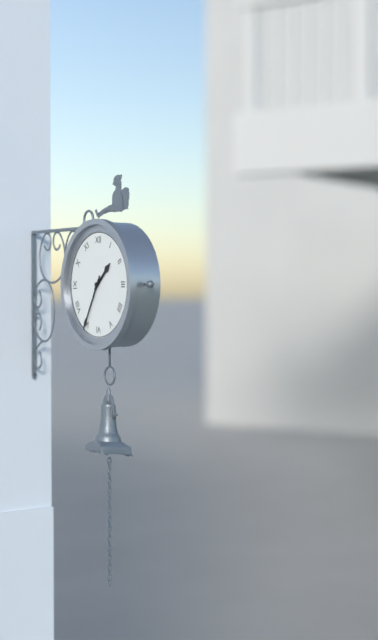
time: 1:35
